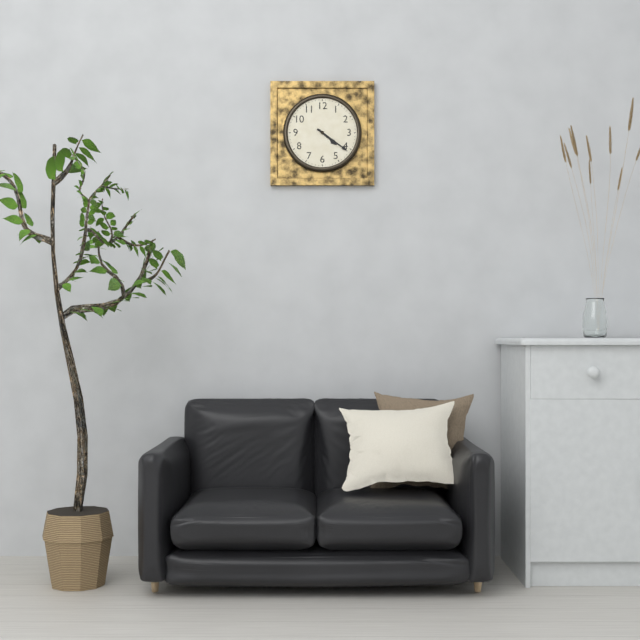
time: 4:21
